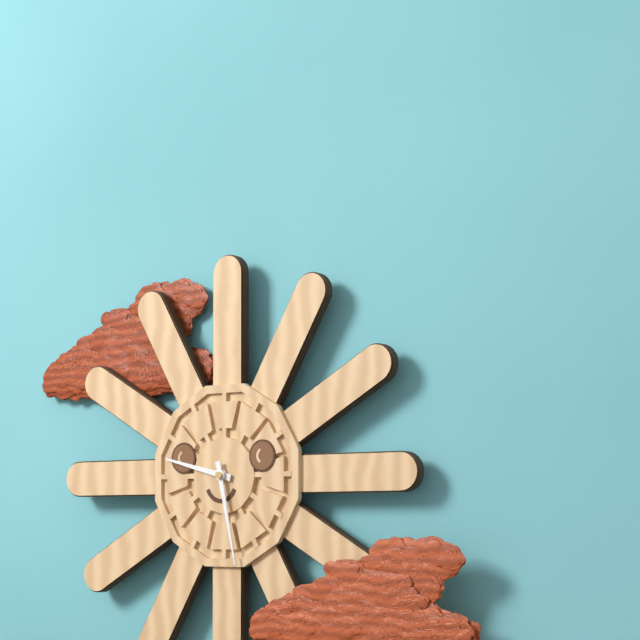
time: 9:28
